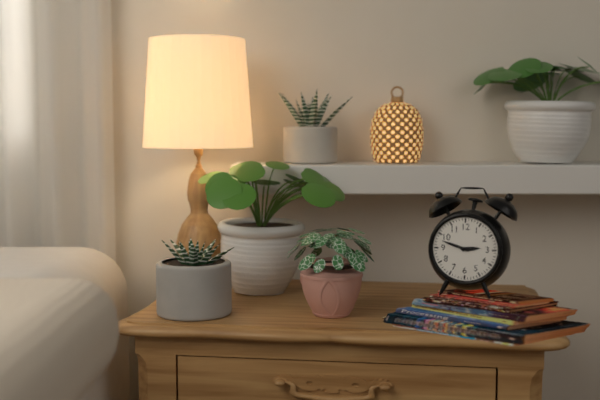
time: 2:48
